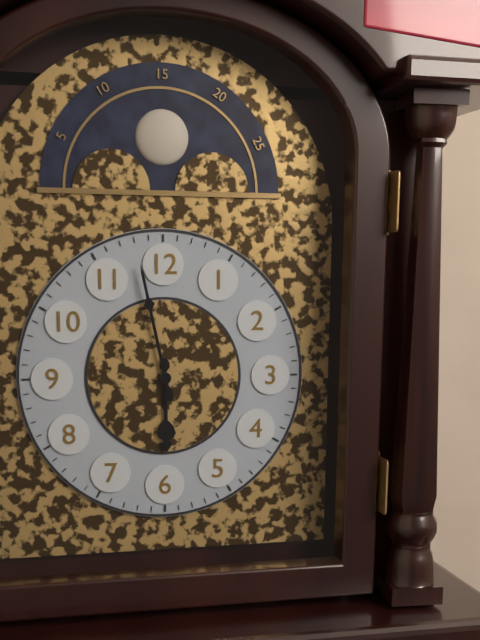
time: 5:58
